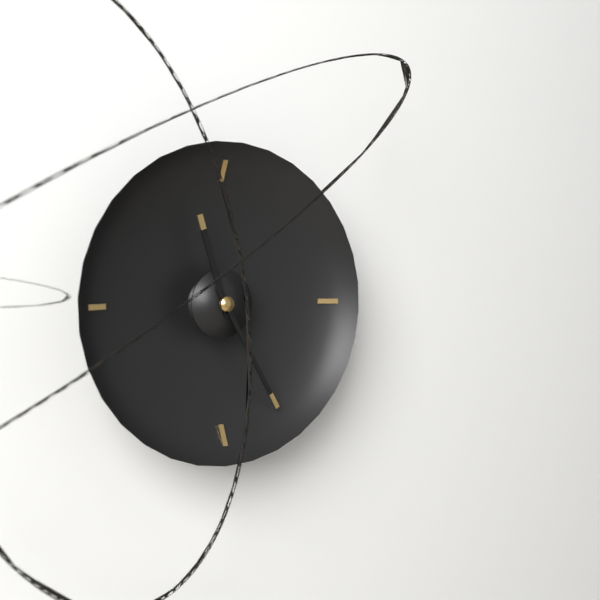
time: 11:25
